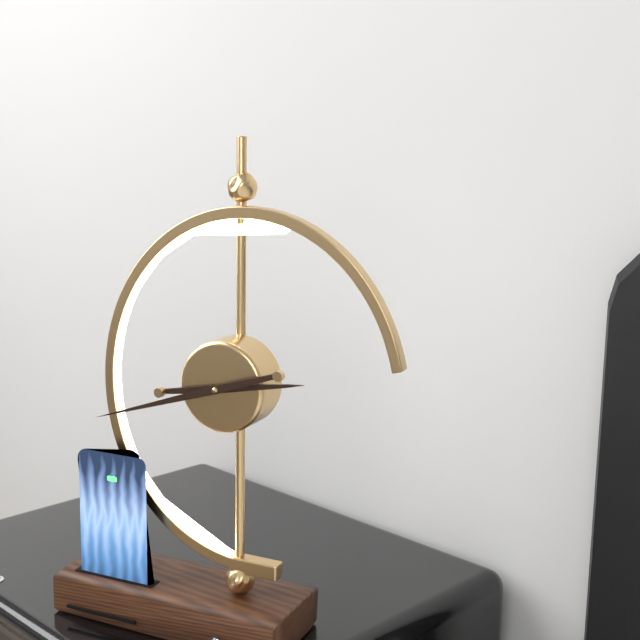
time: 2:42
